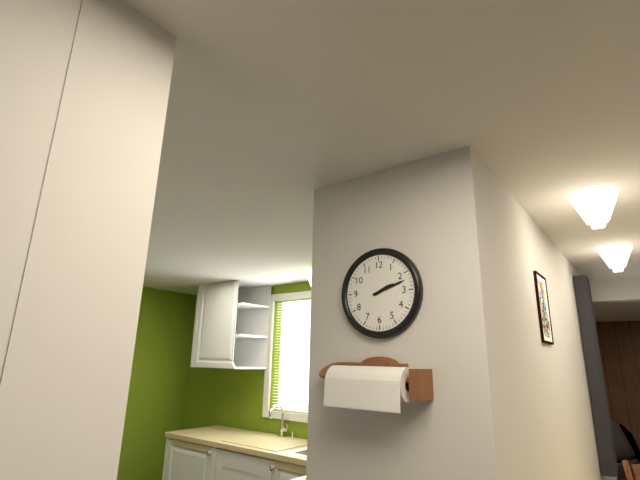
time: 2:12
